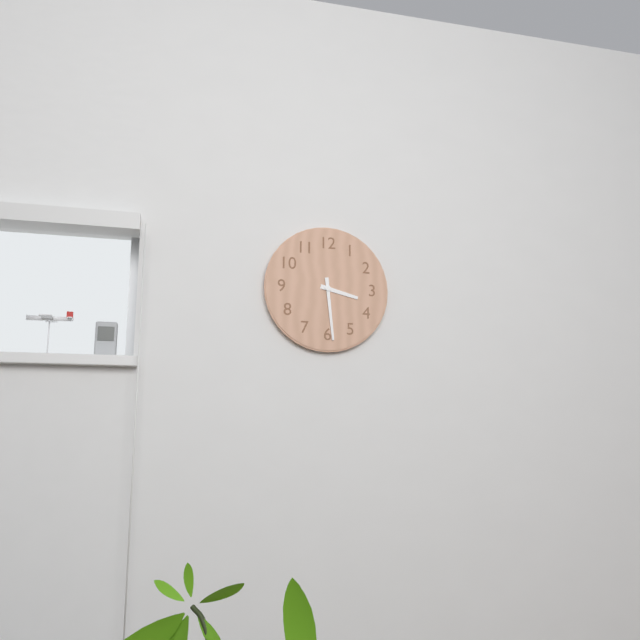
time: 3:29
